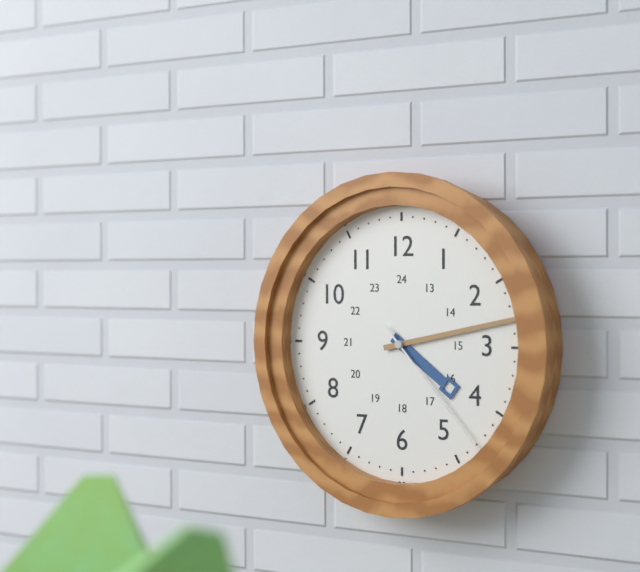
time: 4:13:23
